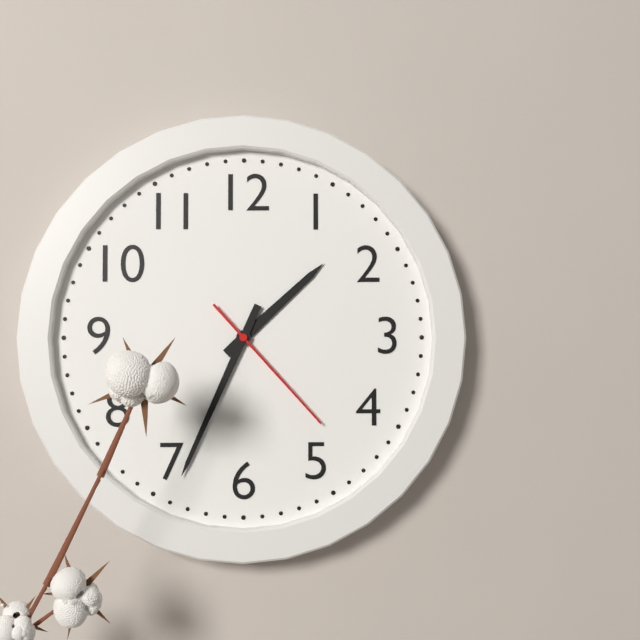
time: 1:34:23
